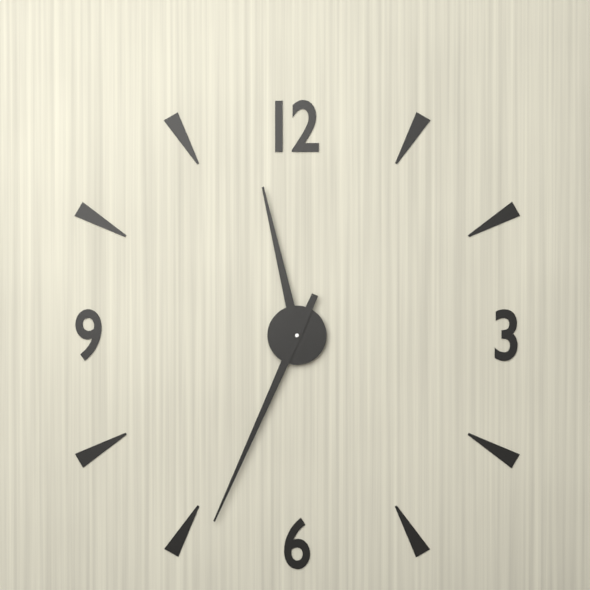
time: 11:34
